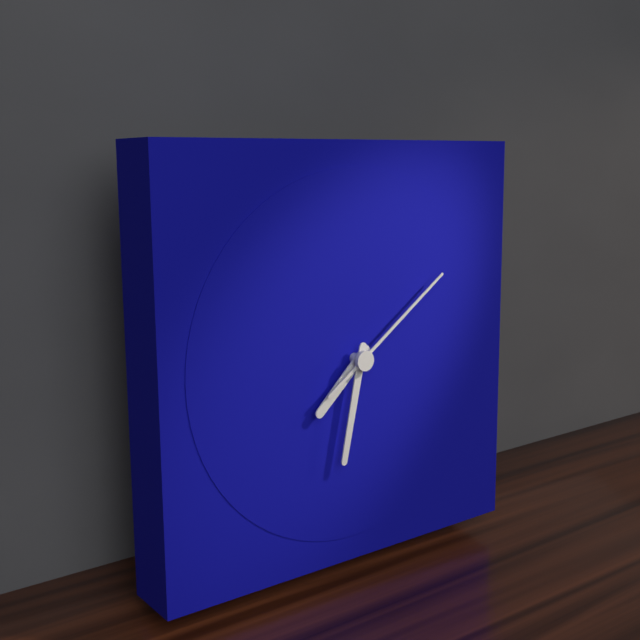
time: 7:32:09
